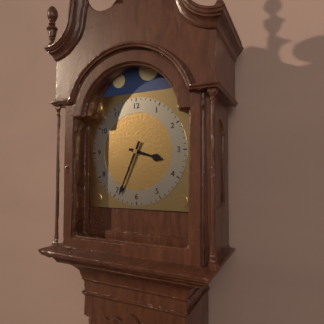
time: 3:34
